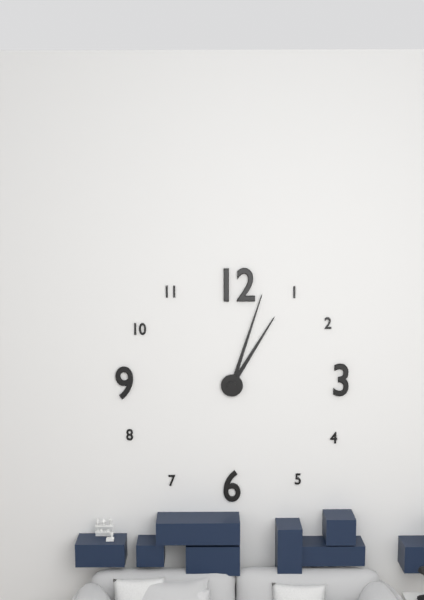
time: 1:03
